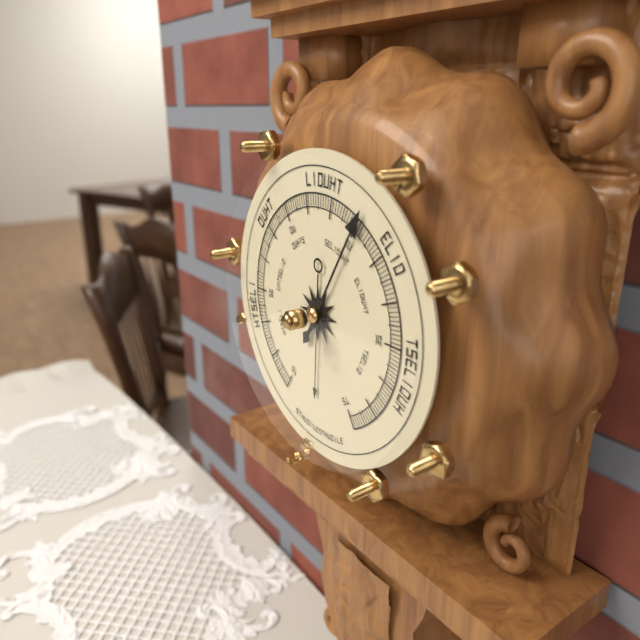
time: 6:05
